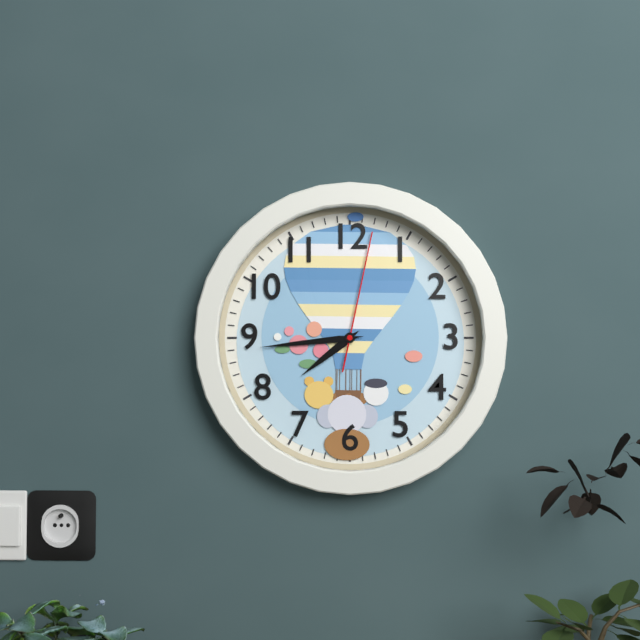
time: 7:44:02
